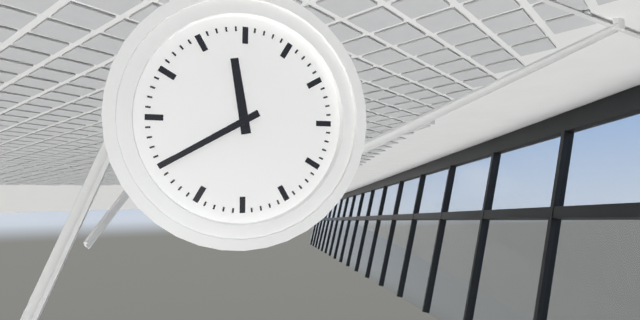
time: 11:40
